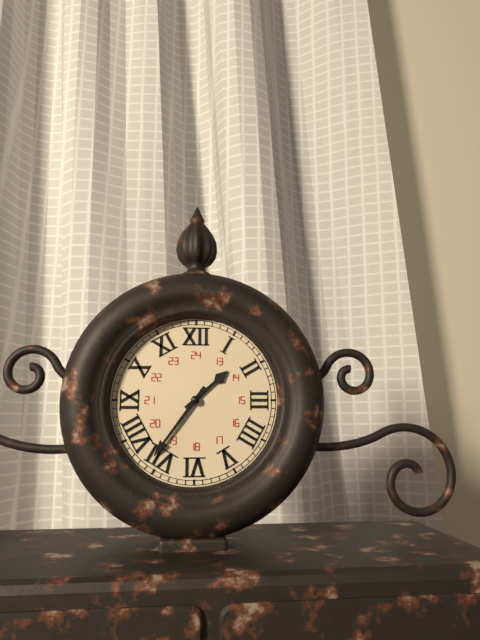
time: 1:36
